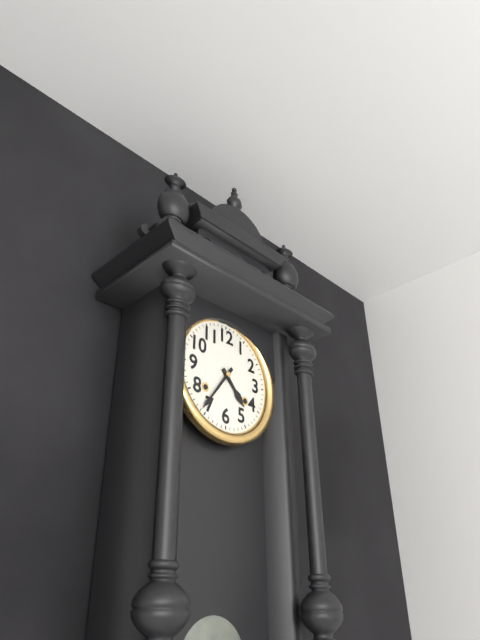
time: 4:36
